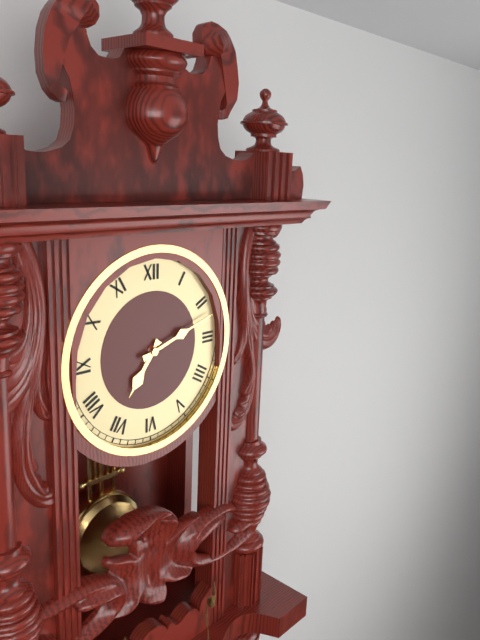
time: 7:12
